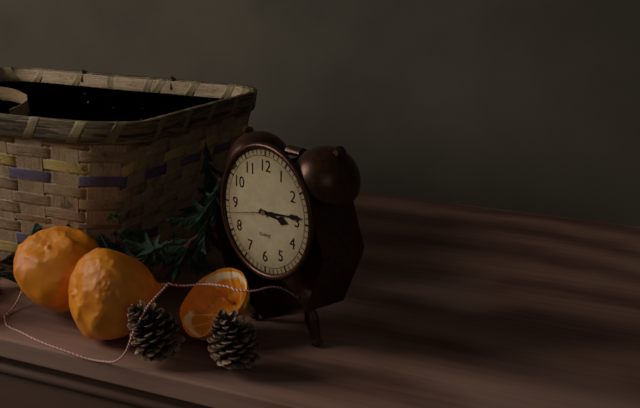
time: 3:14
